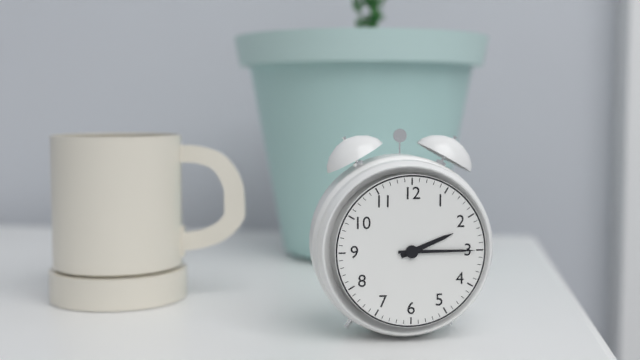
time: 2:15
